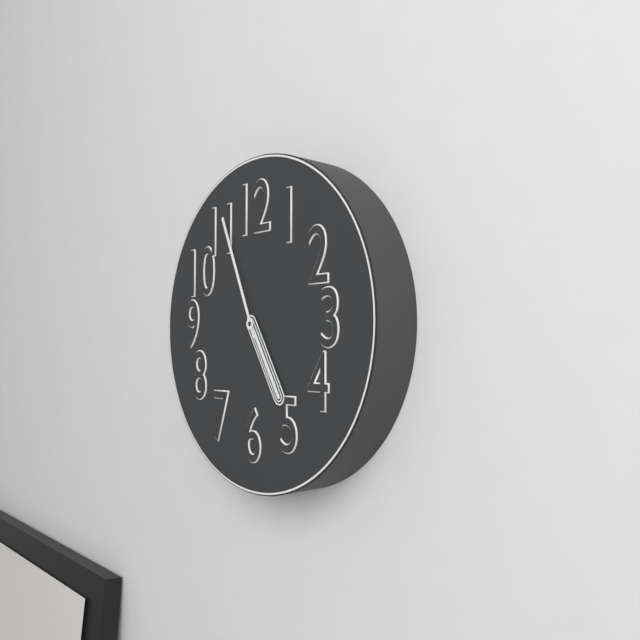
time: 4:56
